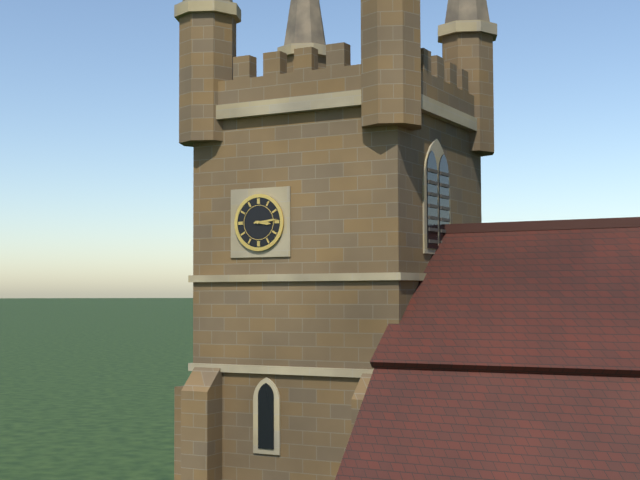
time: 3:14
